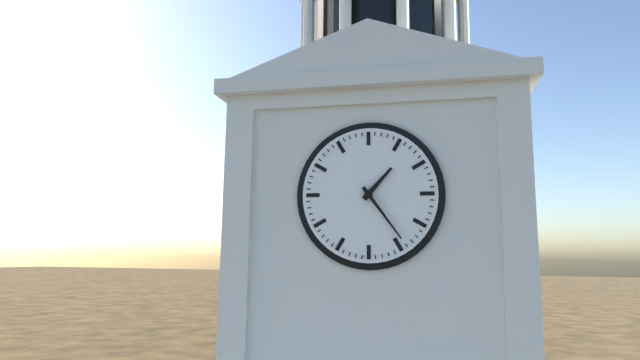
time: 1:24
